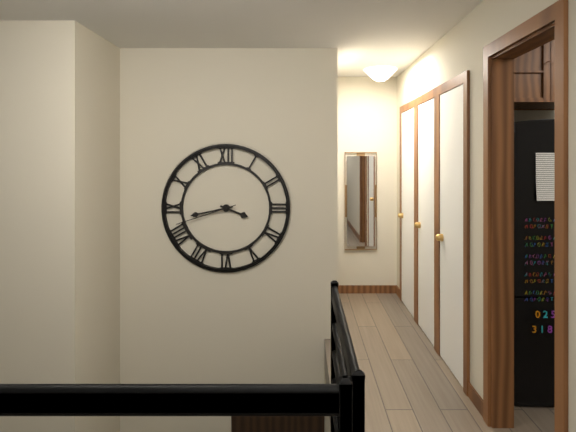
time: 3:43:42
